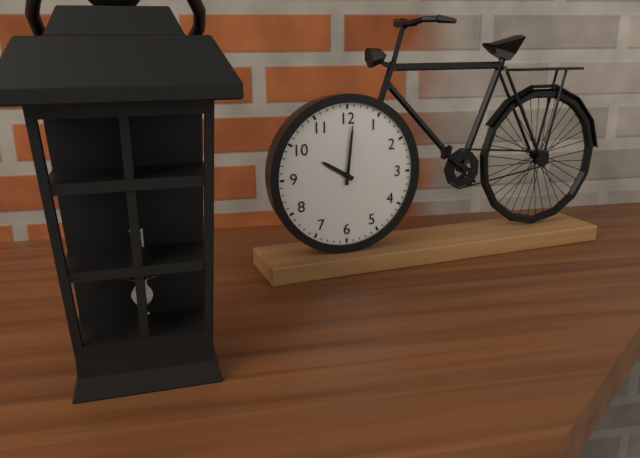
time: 10:01
